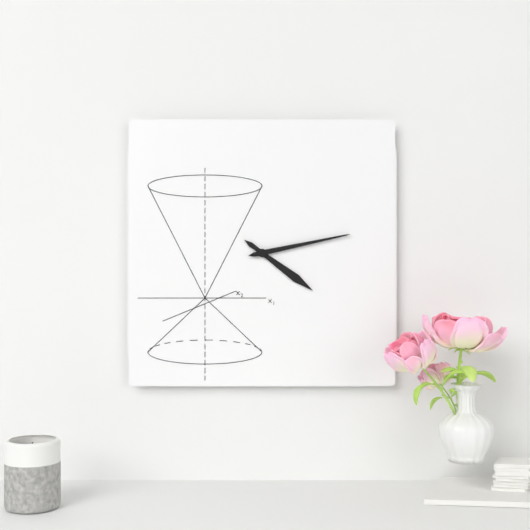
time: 4:13
